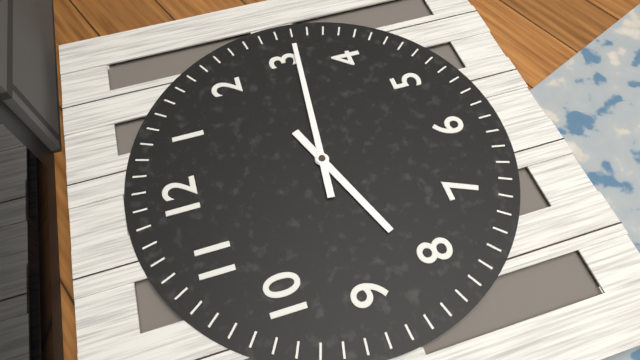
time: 8:16
